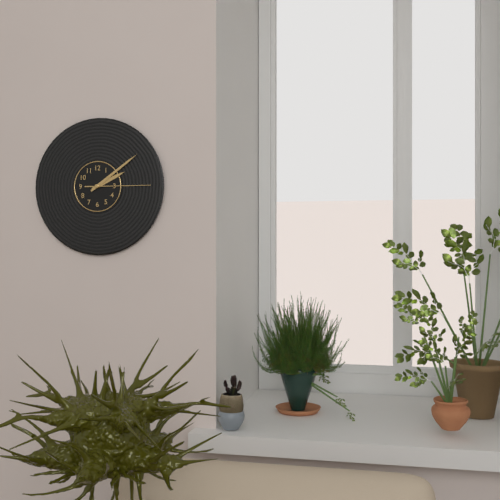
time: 2:09:15
